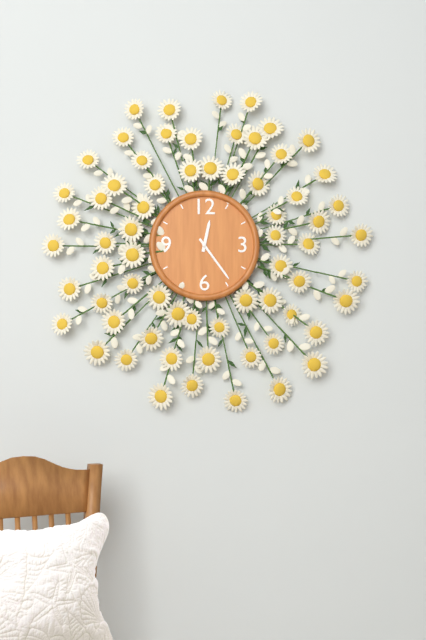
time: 12:24
